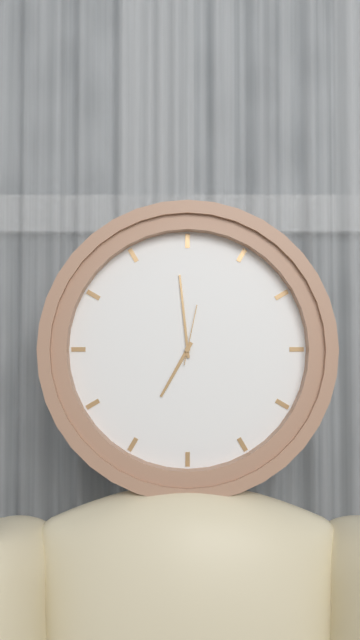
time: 6:59:02
